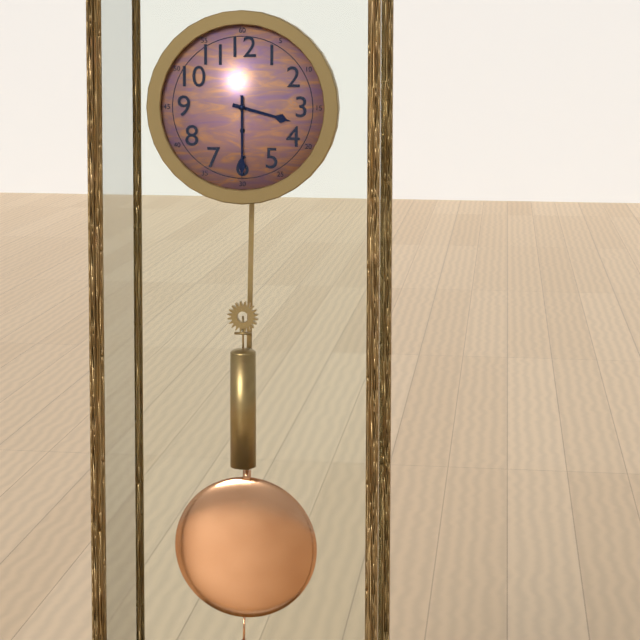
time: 3:30
